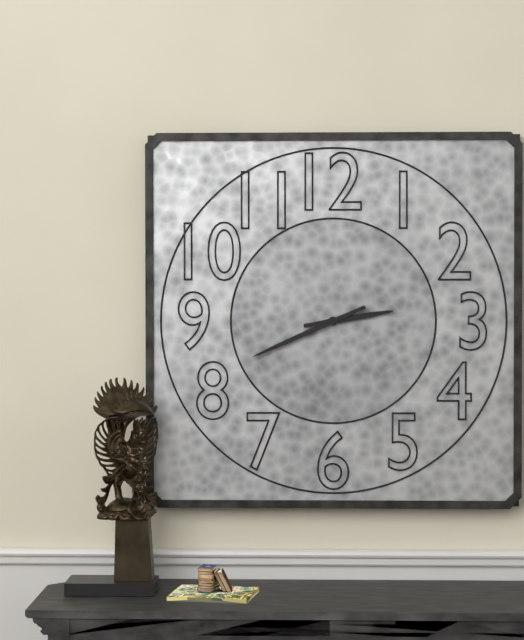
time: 2:41
